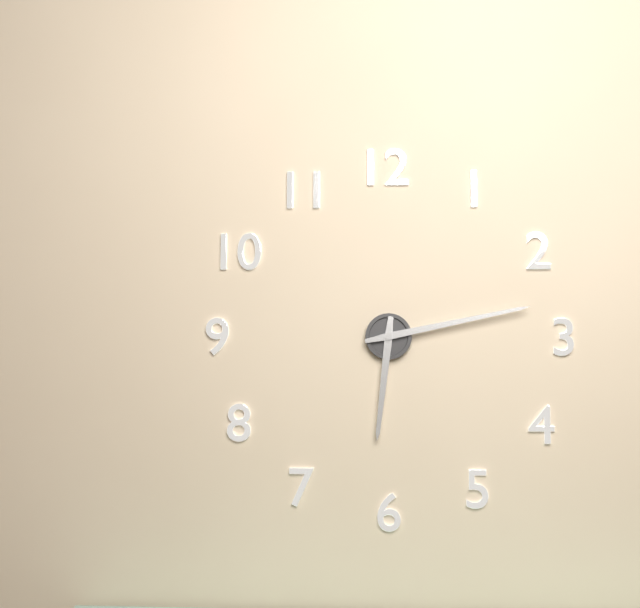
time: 6:13
